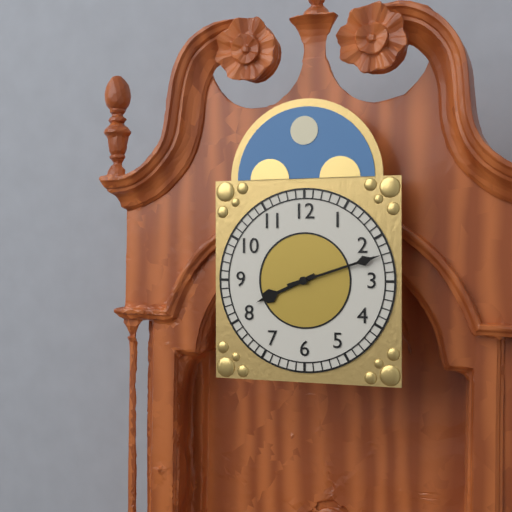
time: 8:12
